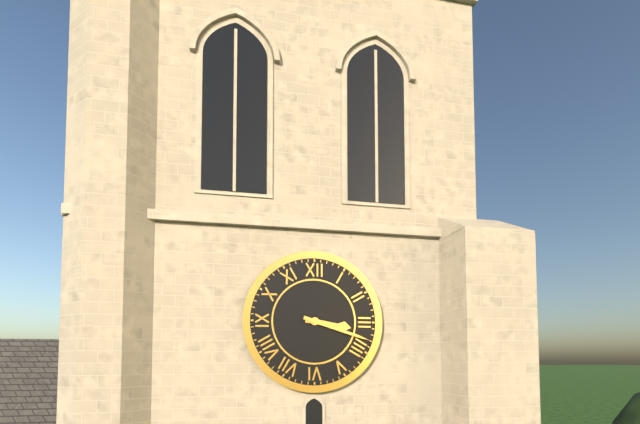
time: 3:18
